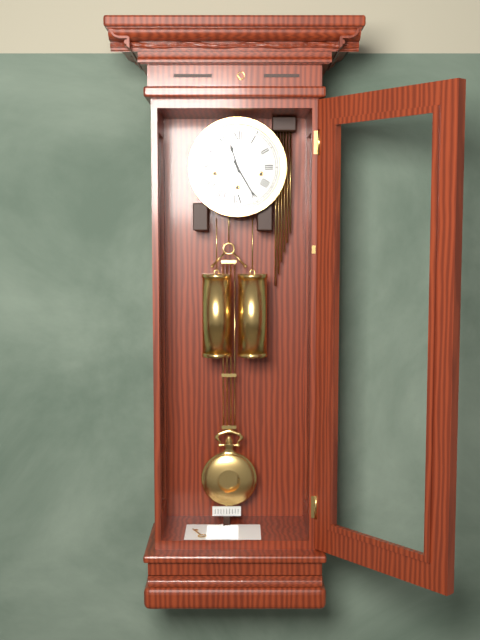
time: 11:25
